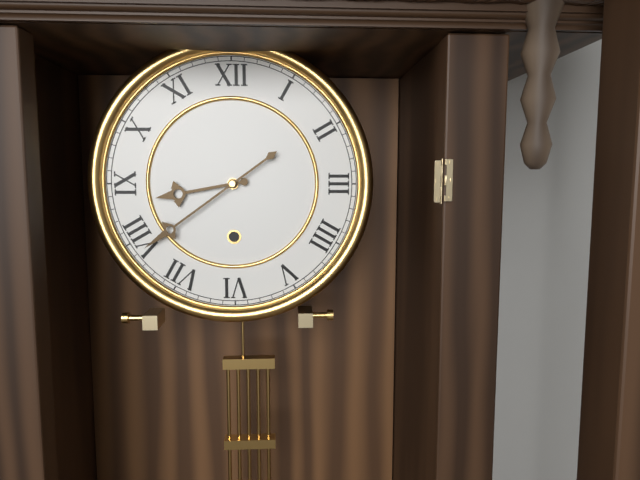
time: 8:39
